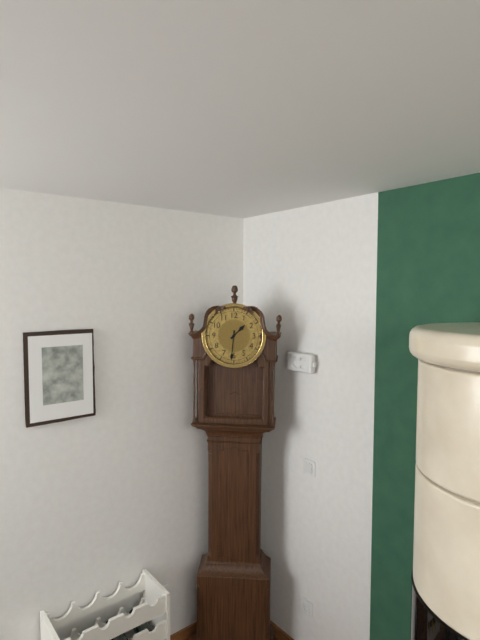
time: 1:31
